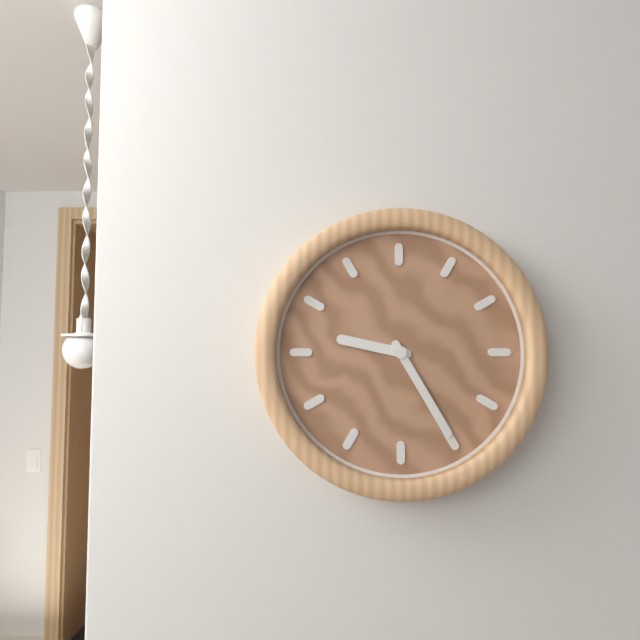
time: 9:25
